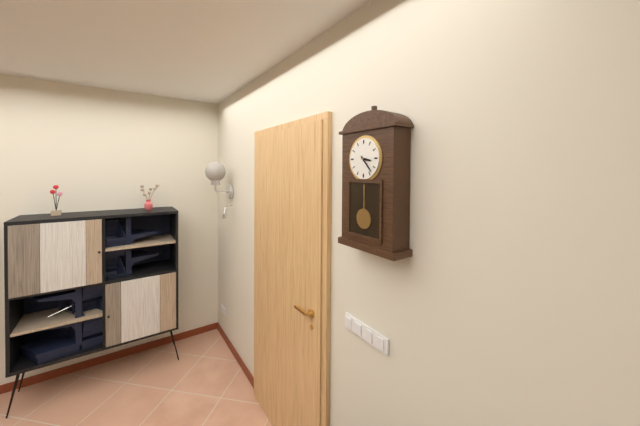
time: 3:23
